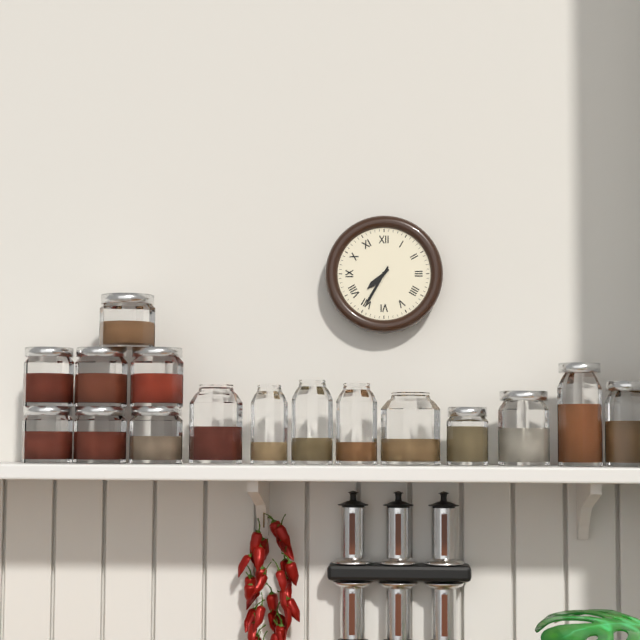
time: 7:35
